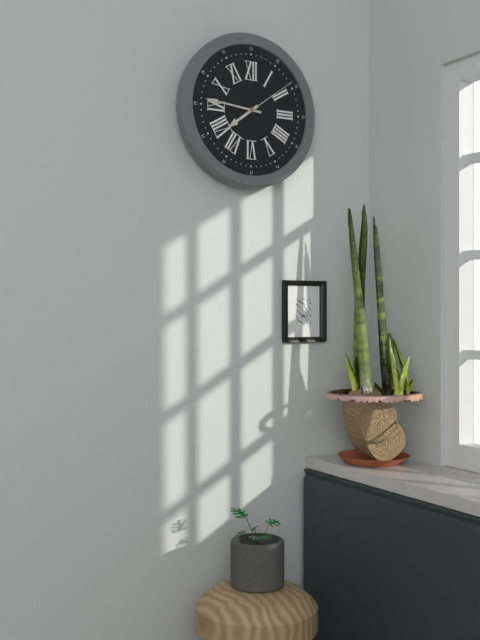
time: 7:46:09
